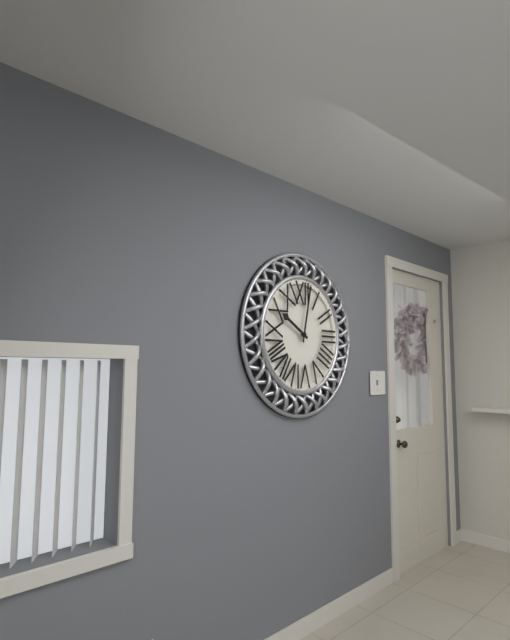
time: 10:02
